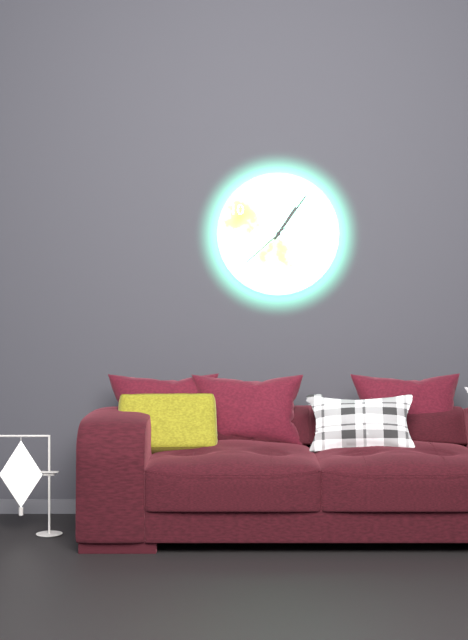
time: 1:06:38
